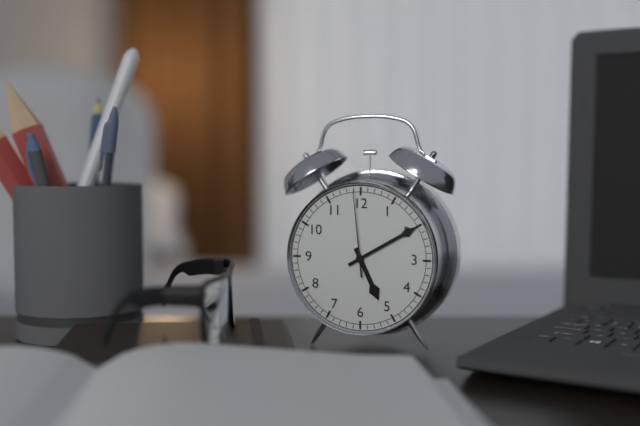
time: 5:10:59
